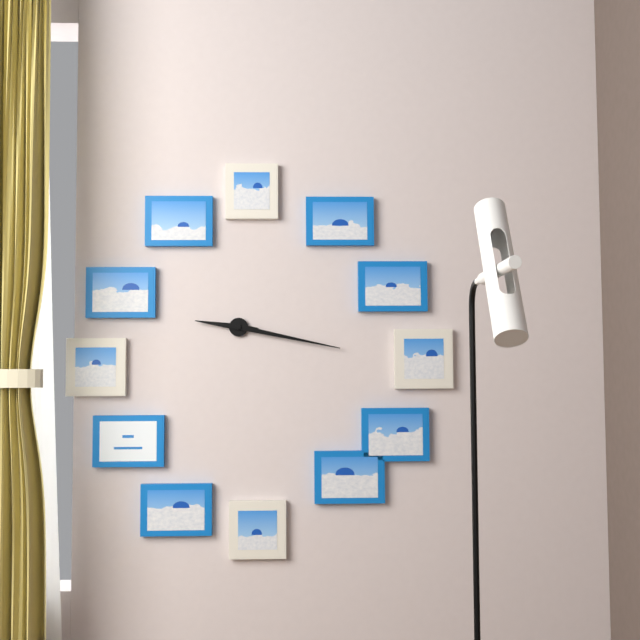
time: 9:17
